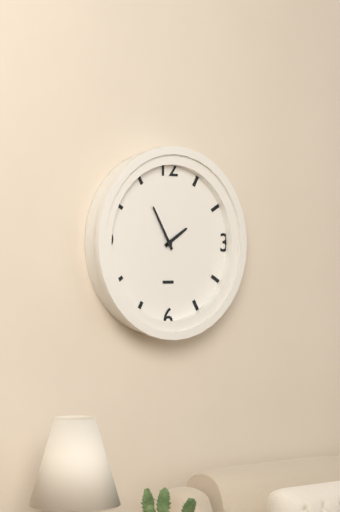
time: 1:55
